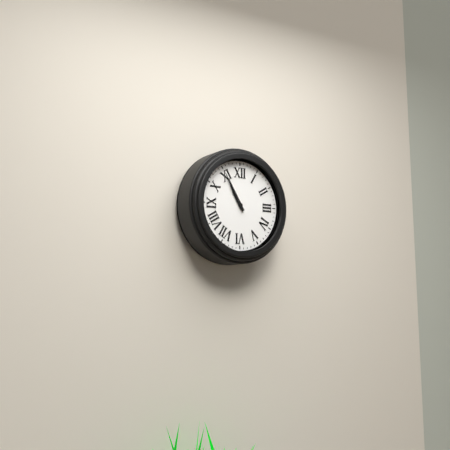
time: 10:55
